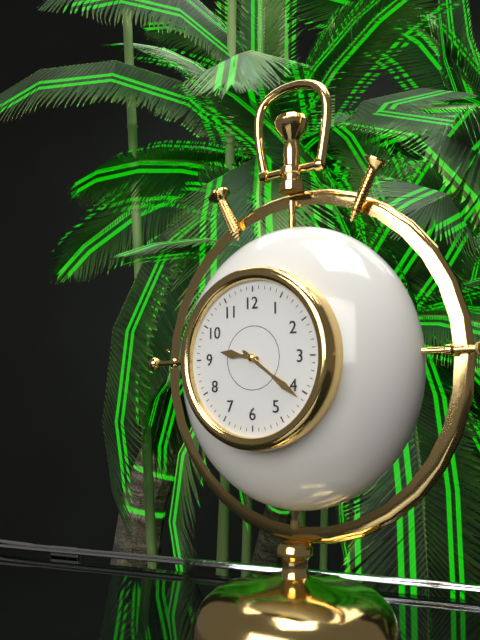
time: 9:21
